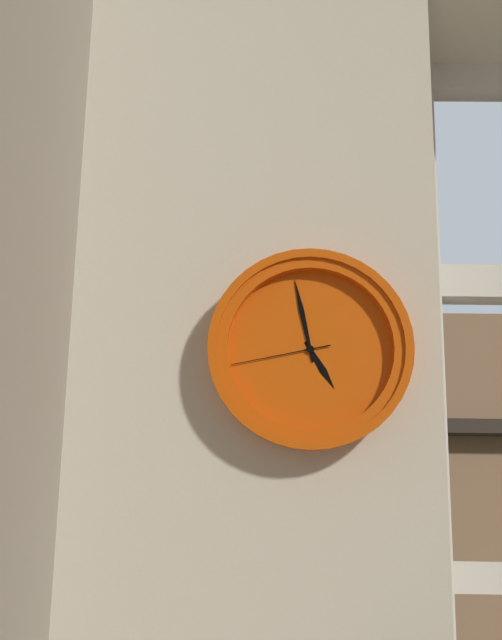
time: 4:58:43
